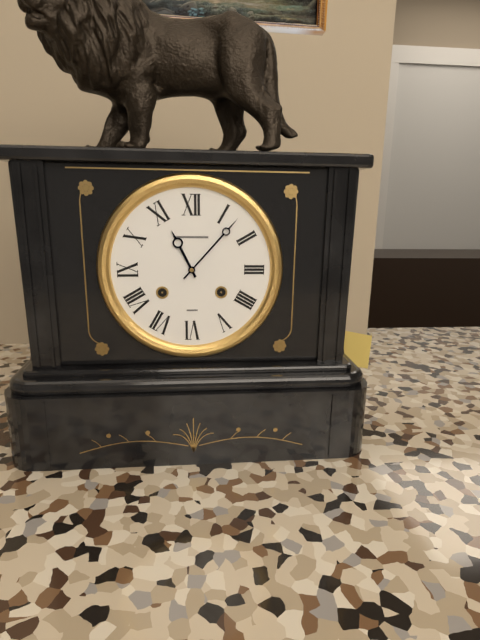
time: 11:07
